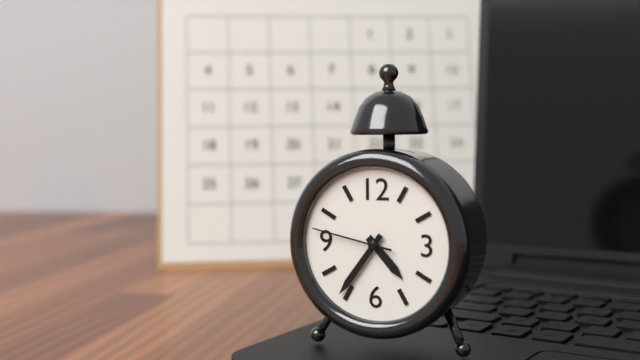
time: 4:36:47
